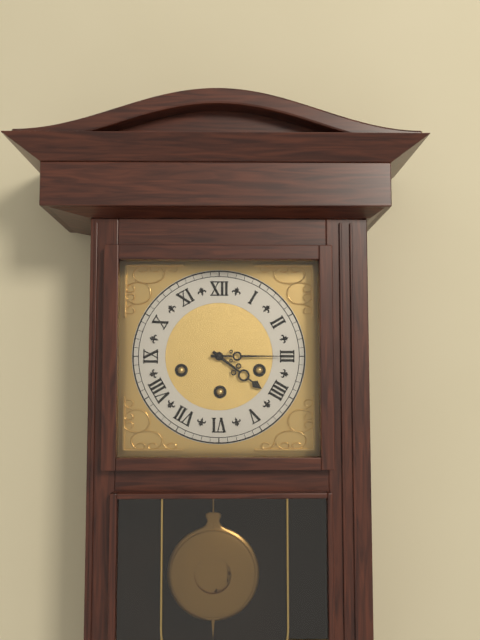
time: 4:15
